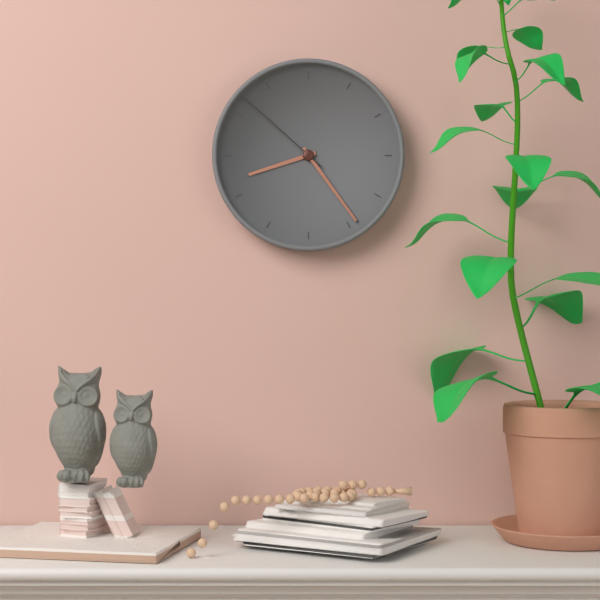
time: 8:24:52
